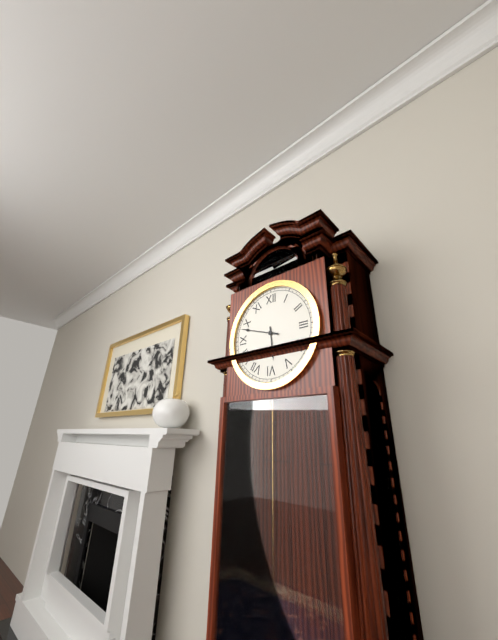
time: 5:48
